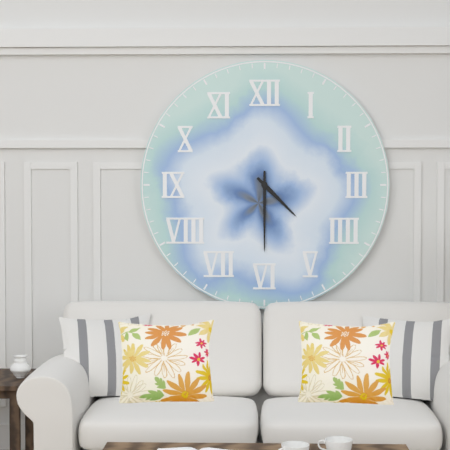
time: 4:30
